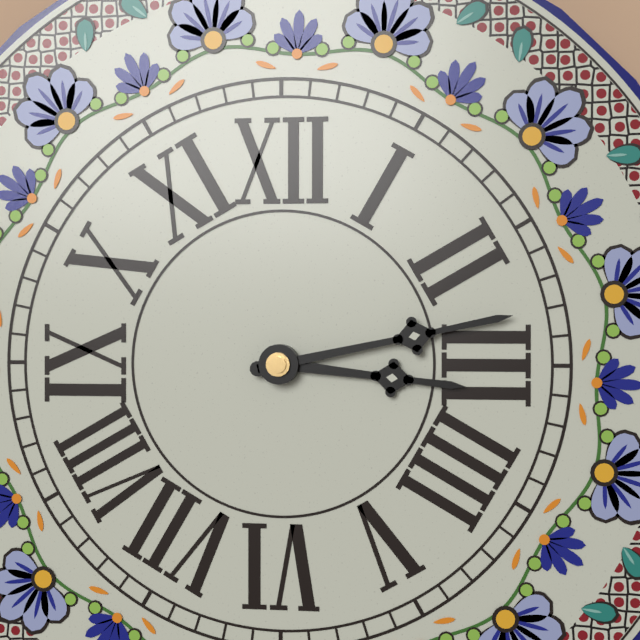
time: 3:13
